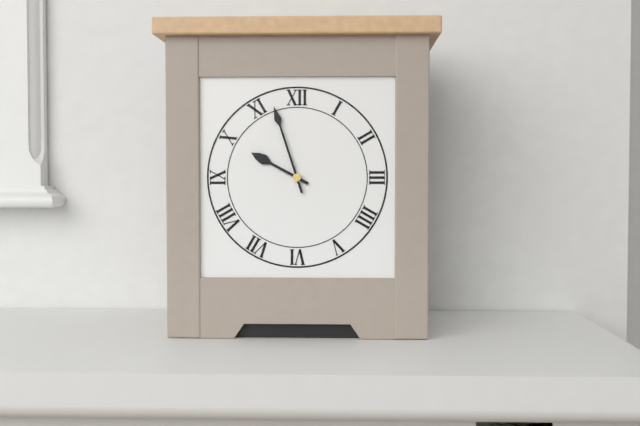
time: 9:57
